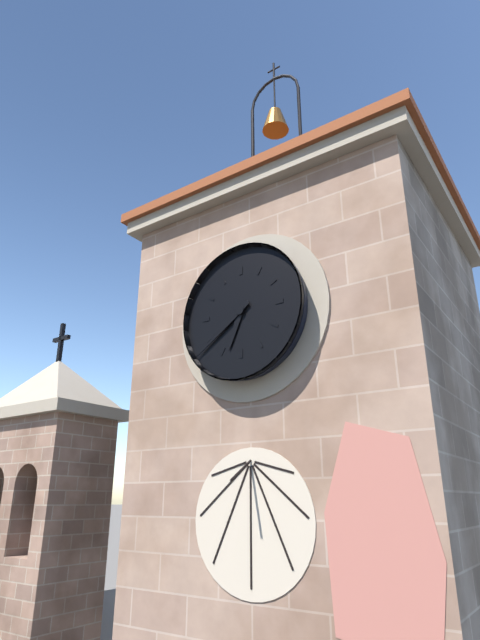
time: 6:39
